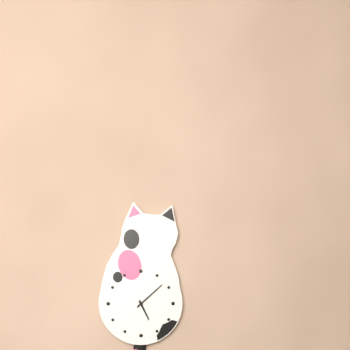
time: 5:08
